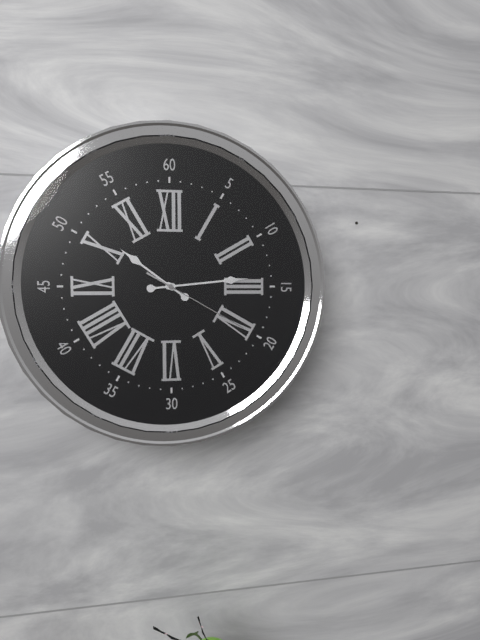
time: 10:14:20
